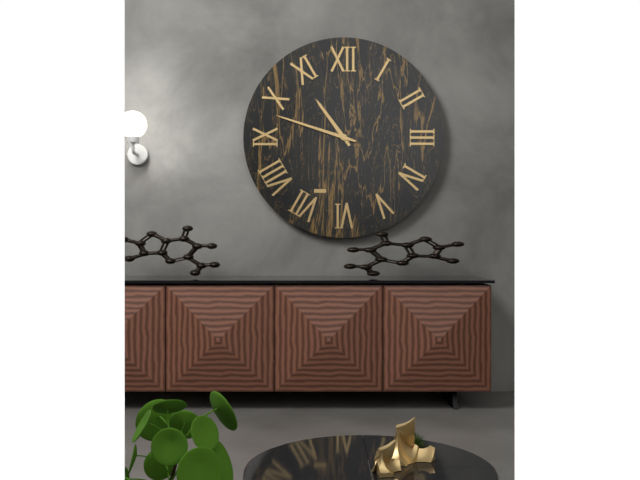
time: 10:48
